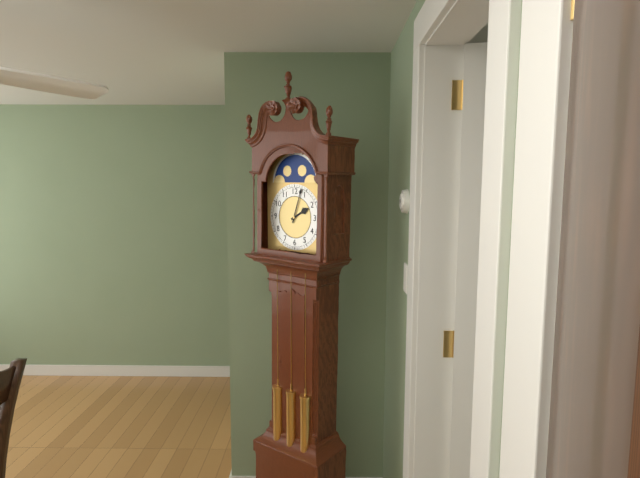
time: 2:03
